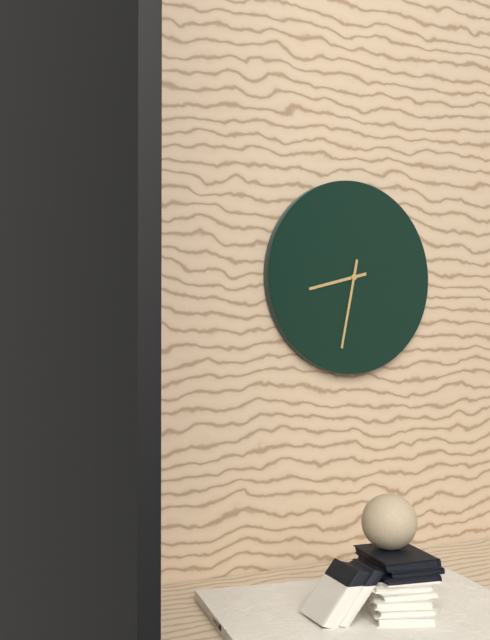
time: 8:32
